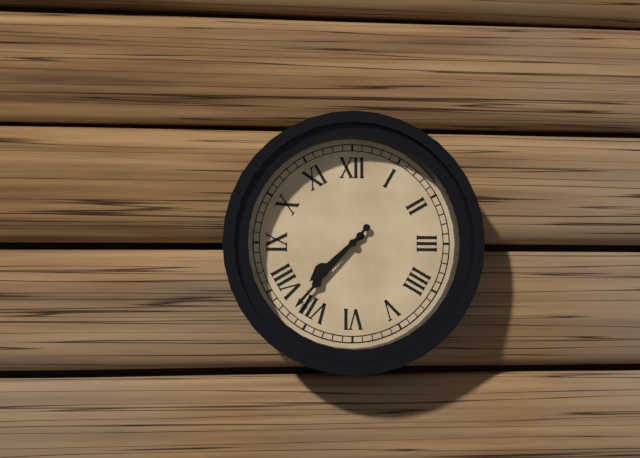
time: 7:37
